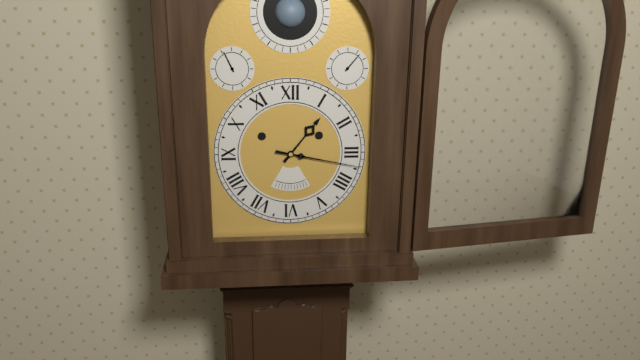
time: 1:17
